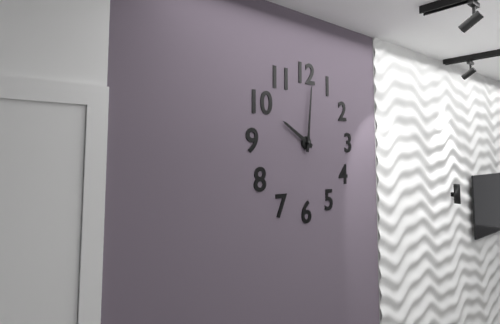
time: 10:01
